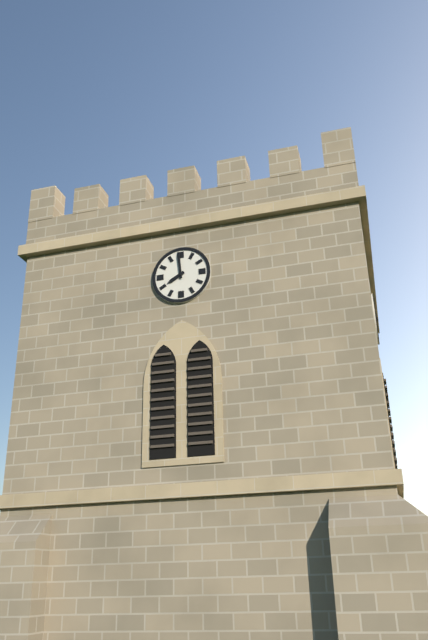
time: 7:59
